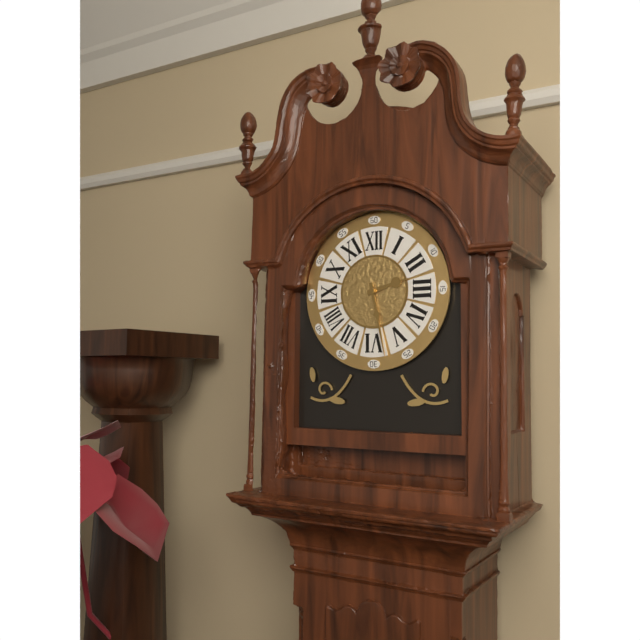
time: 2:28
